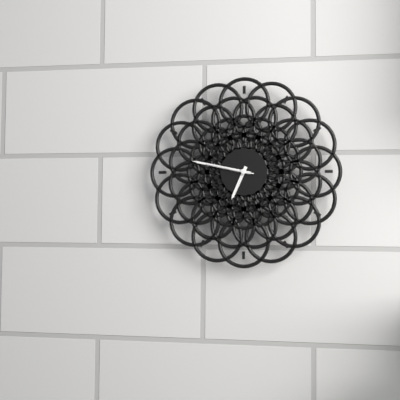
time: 6:47
